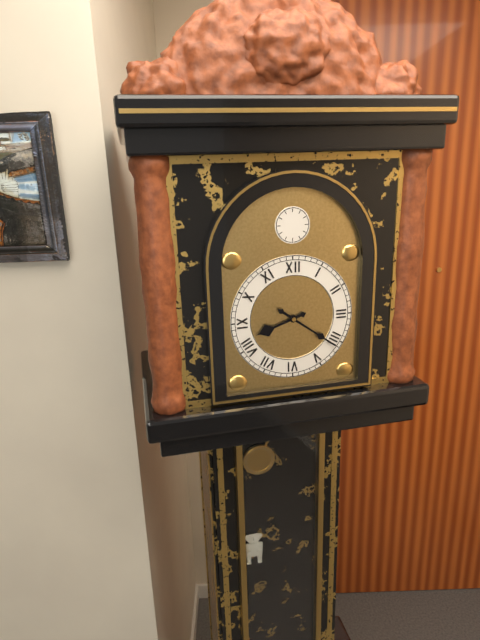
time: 8:21
